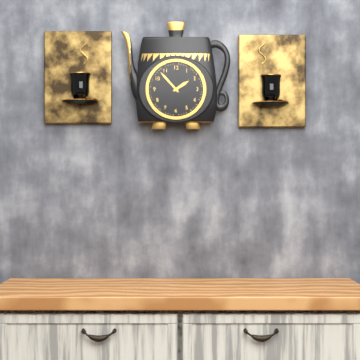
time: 1:53
